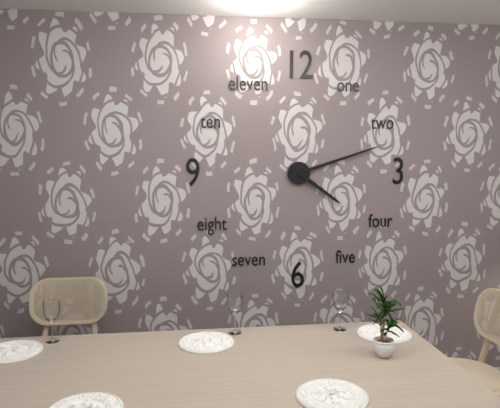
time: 4:12
